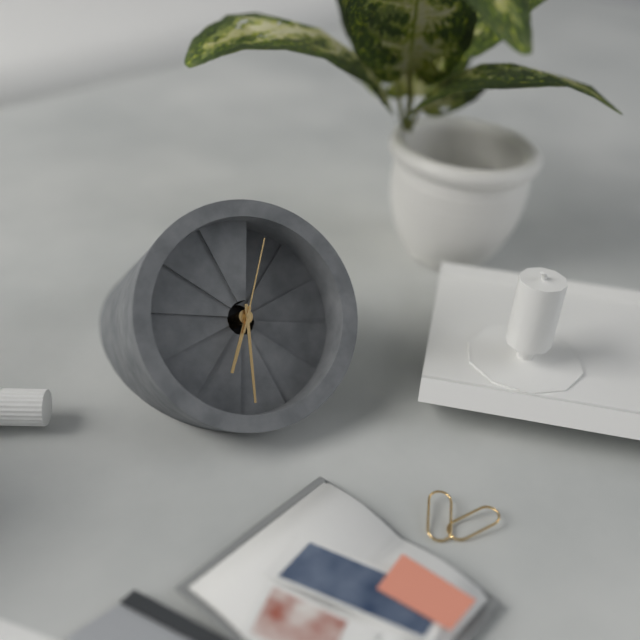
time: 6:29:02
